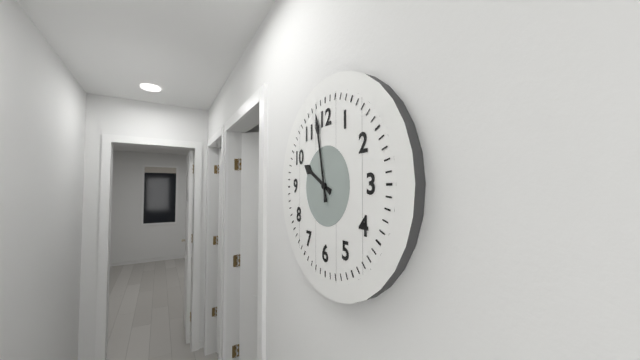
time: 9:58
